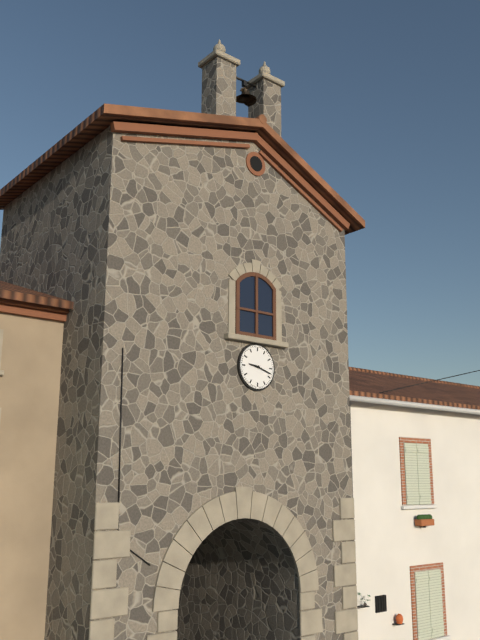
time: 9:18
